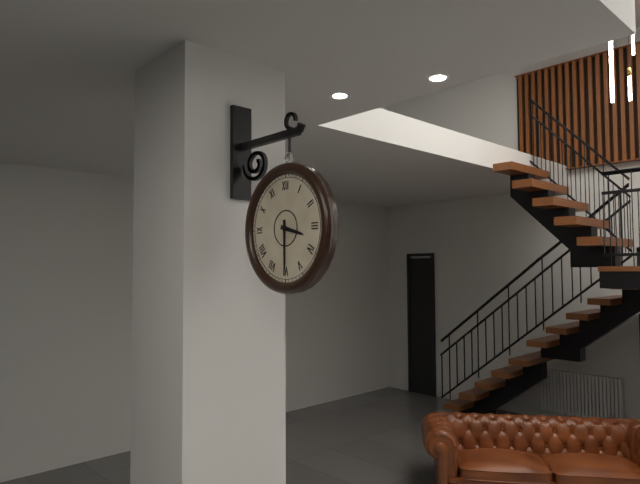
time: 3:30
